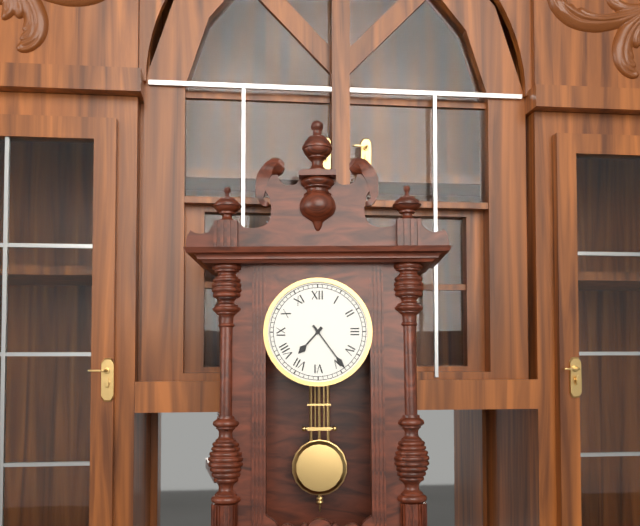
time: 7:24
